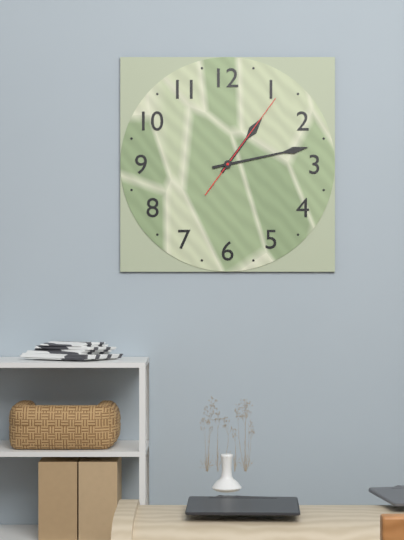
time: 1:13:06
